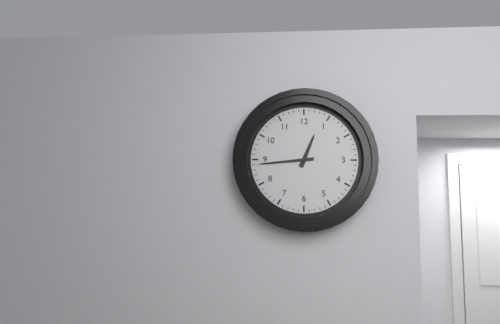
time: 12:44
